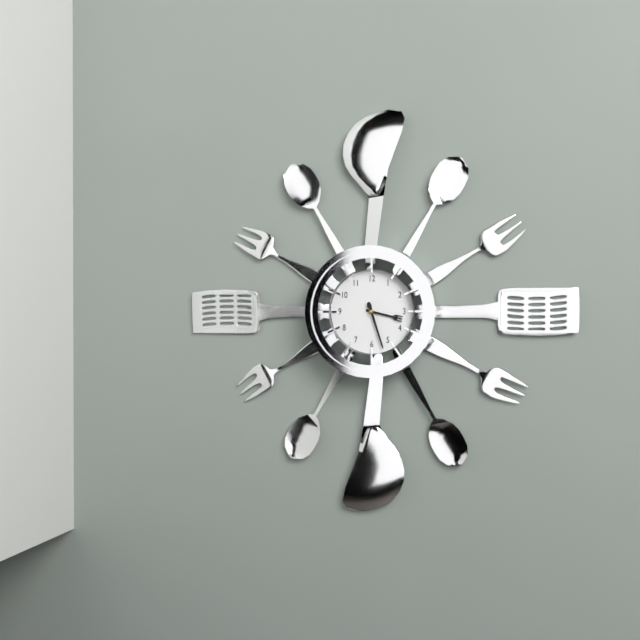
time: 3:27
